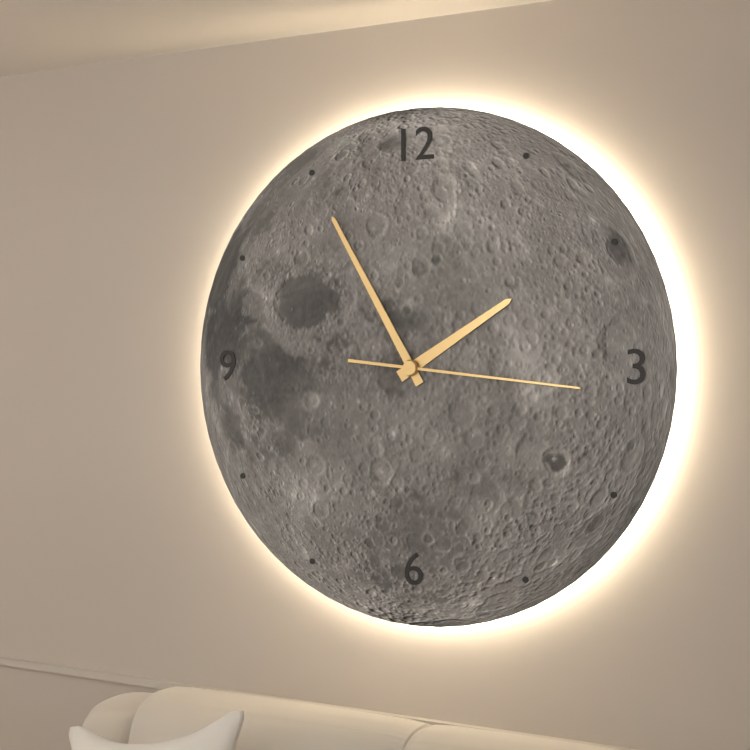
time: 1:55:16
